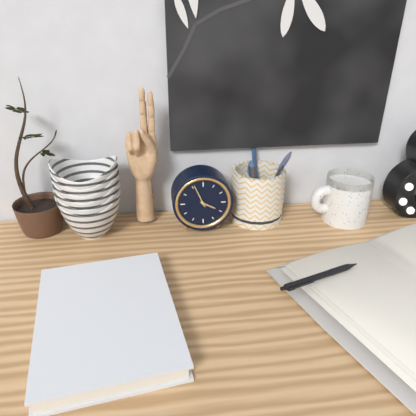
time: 3:56
